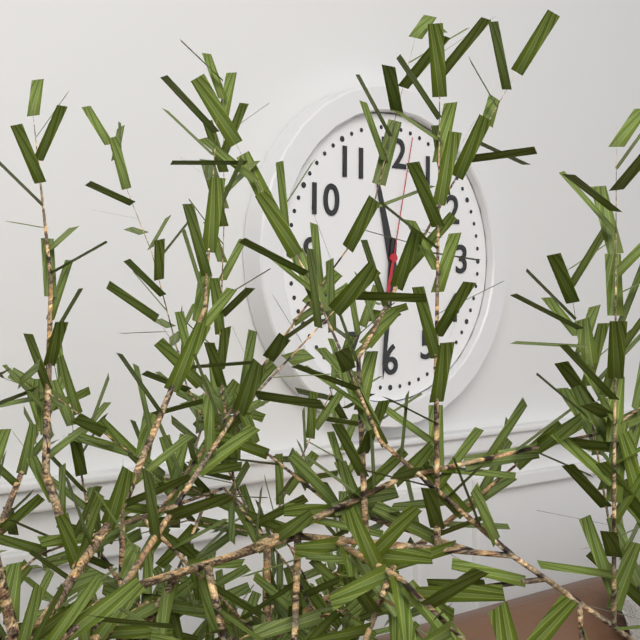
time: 11:31:02
